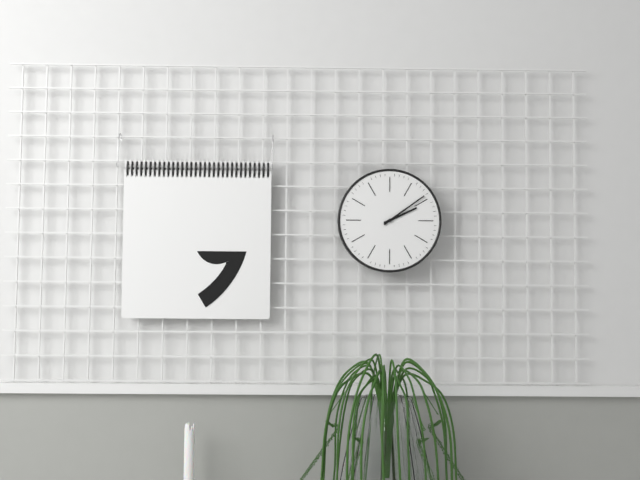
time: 2:09
